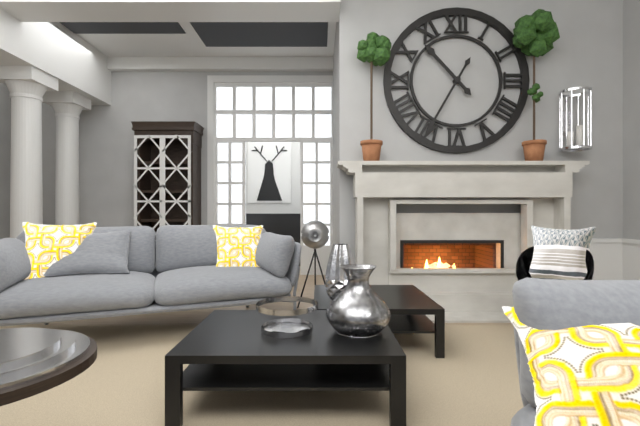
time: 10:35
